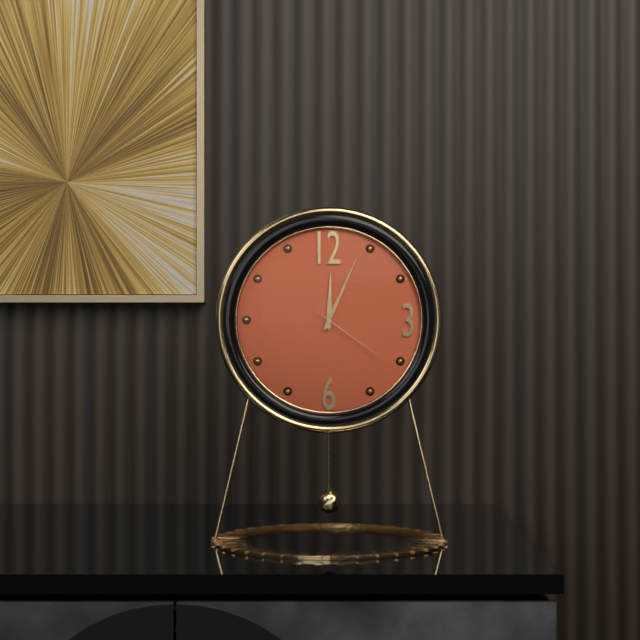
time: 12:04:21
